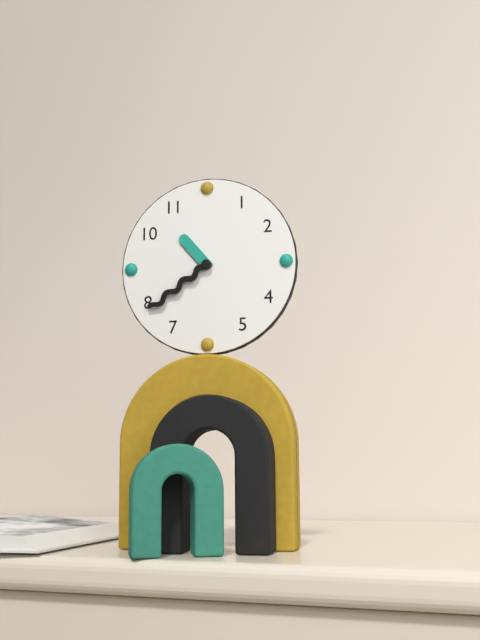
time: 10:39
